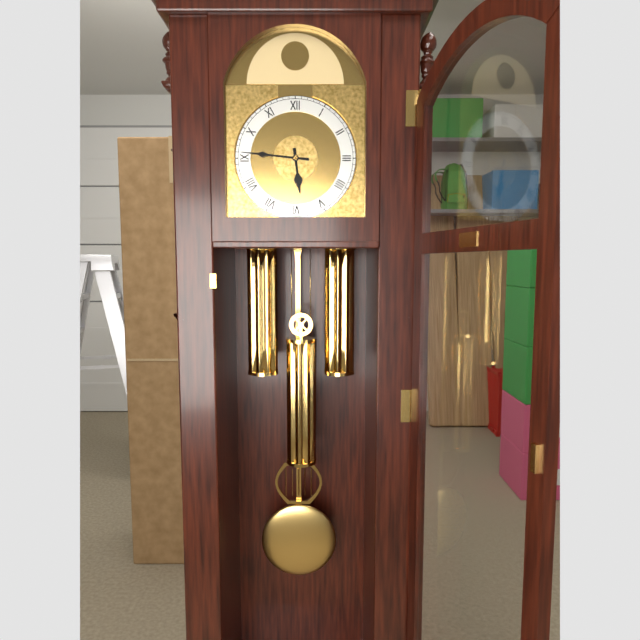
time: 5:46
